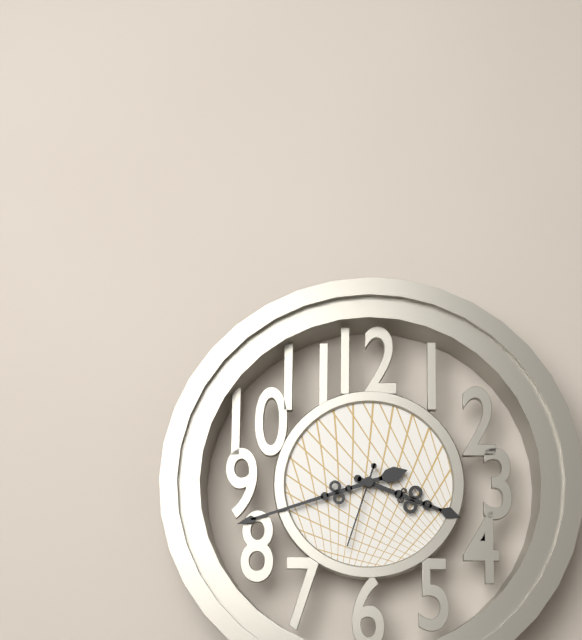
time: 3:42:33
